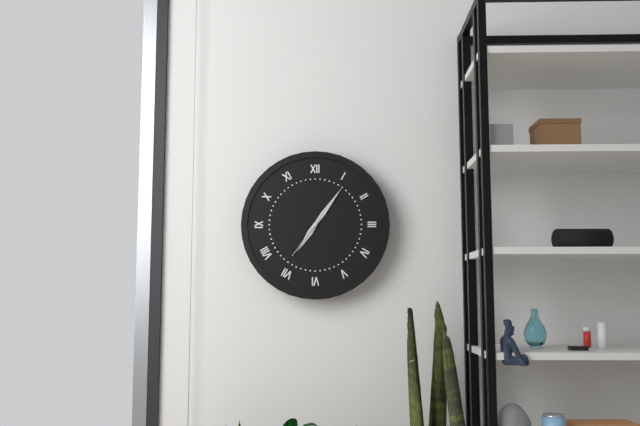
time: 7:06
